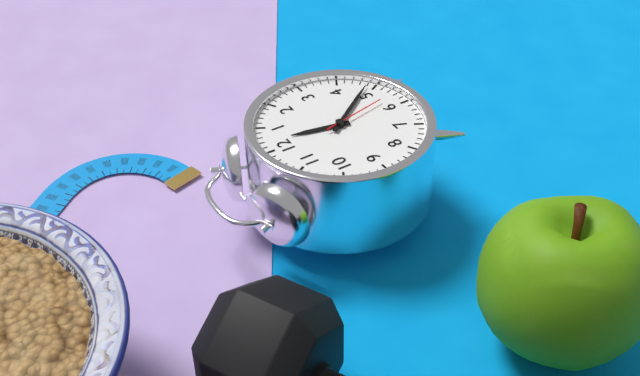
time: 12:24:28
